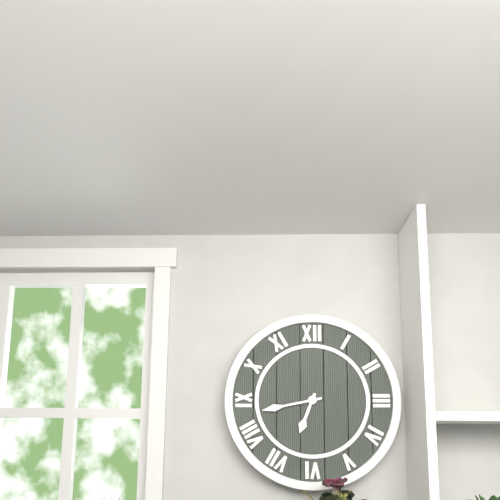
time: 6:43
